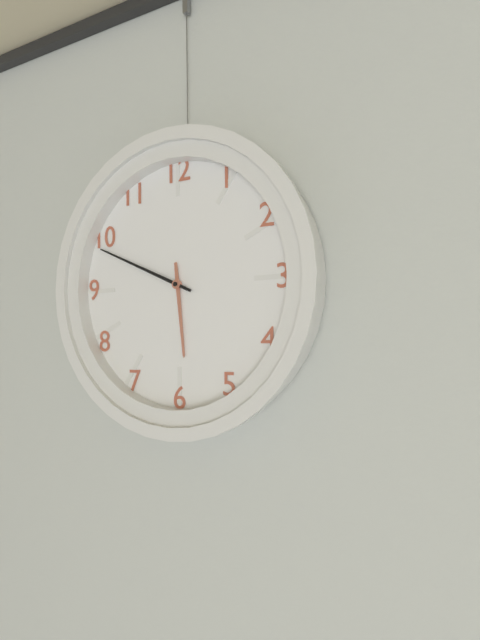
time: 5:49
